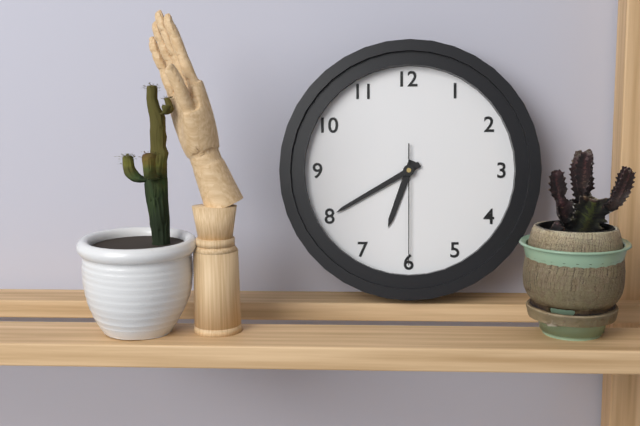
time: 6:40:30
